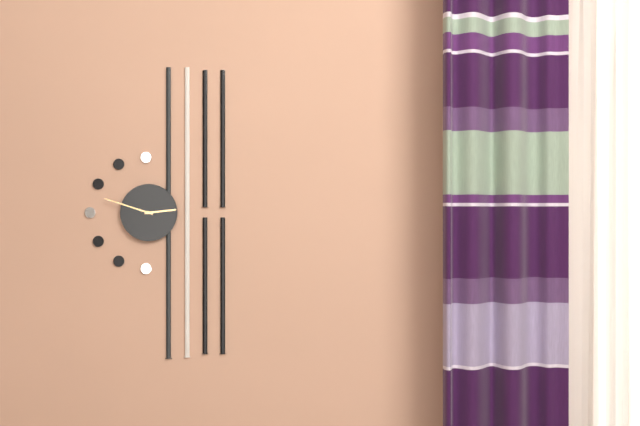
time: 2:48
